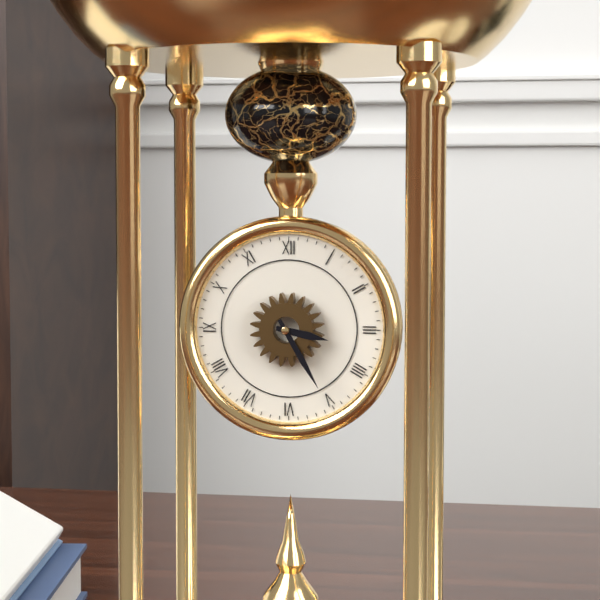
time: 3:25
